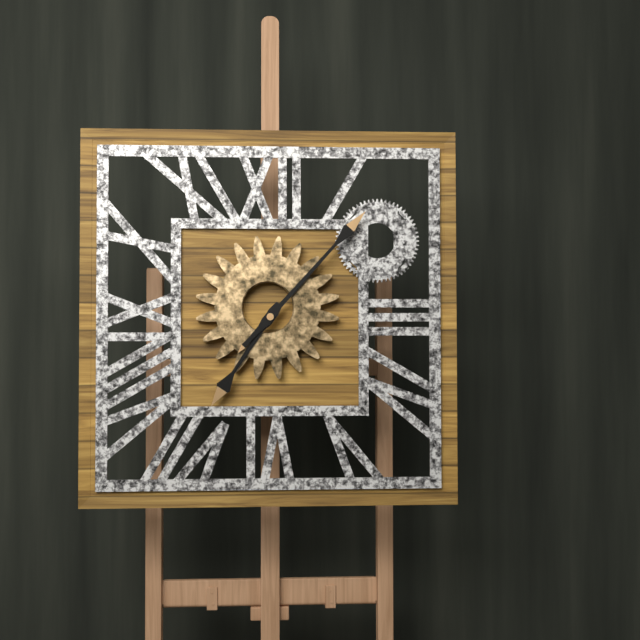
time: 7:07
